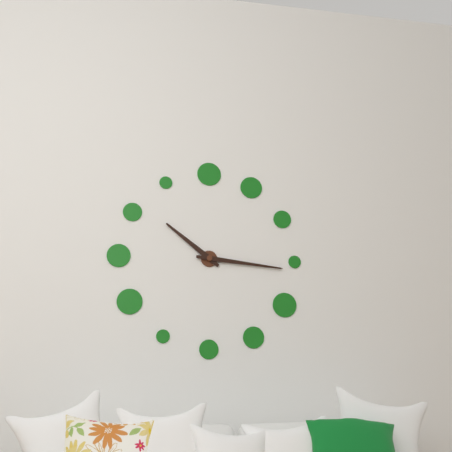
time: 10:16
